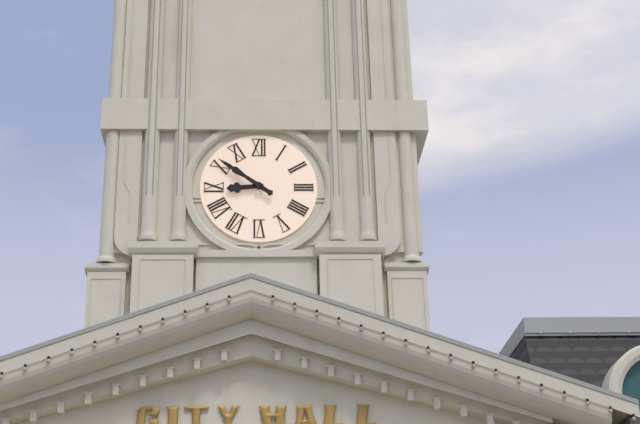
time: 8:51
